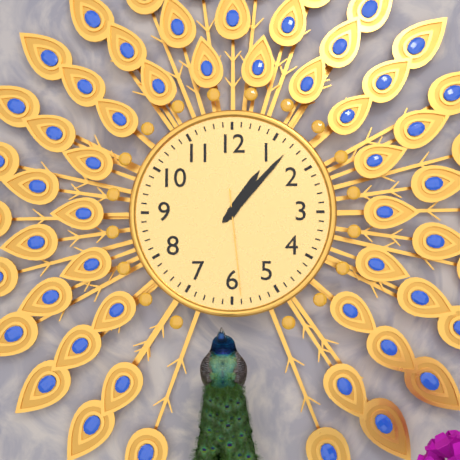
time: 1:07:29
